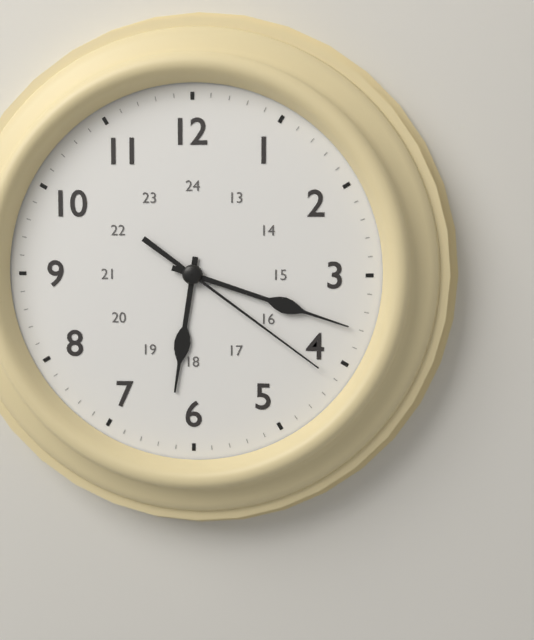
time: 6:18:21
